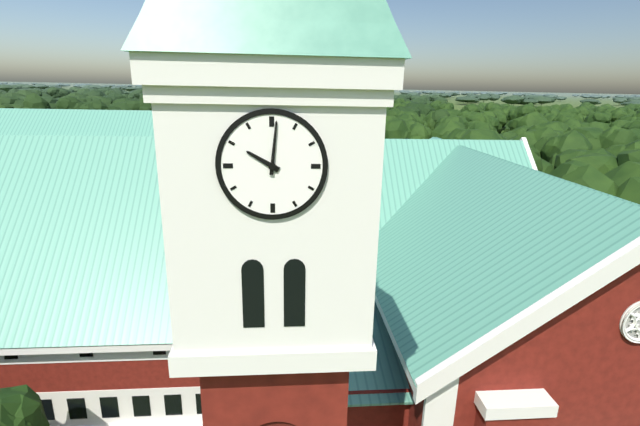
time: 10:01
